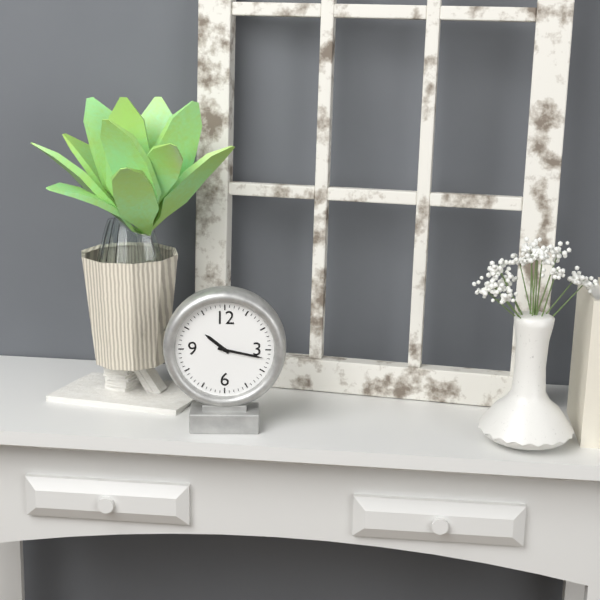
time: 10:17
